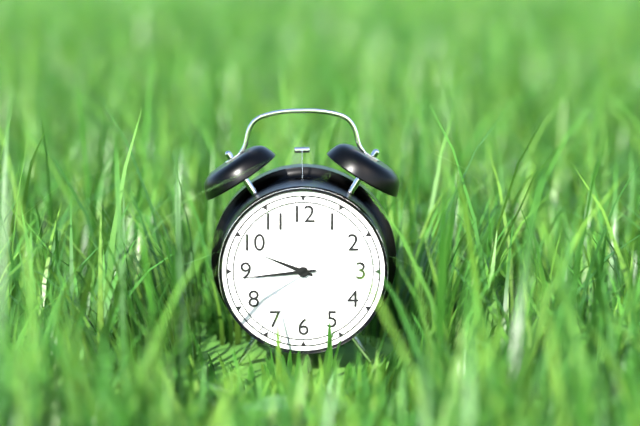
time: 9:44
